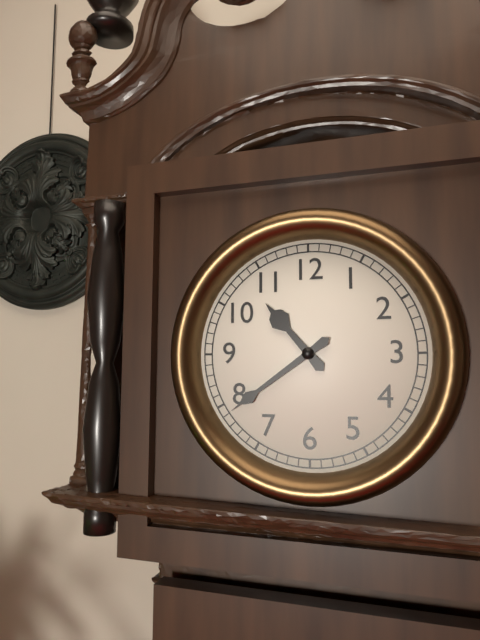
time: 10:39
